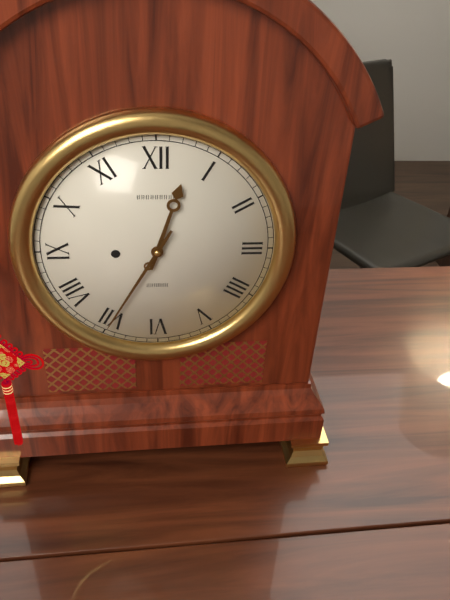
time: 12:35
